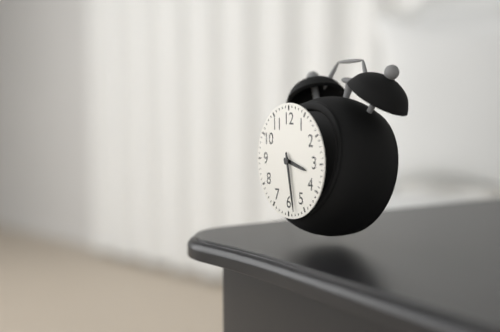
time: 3:28
